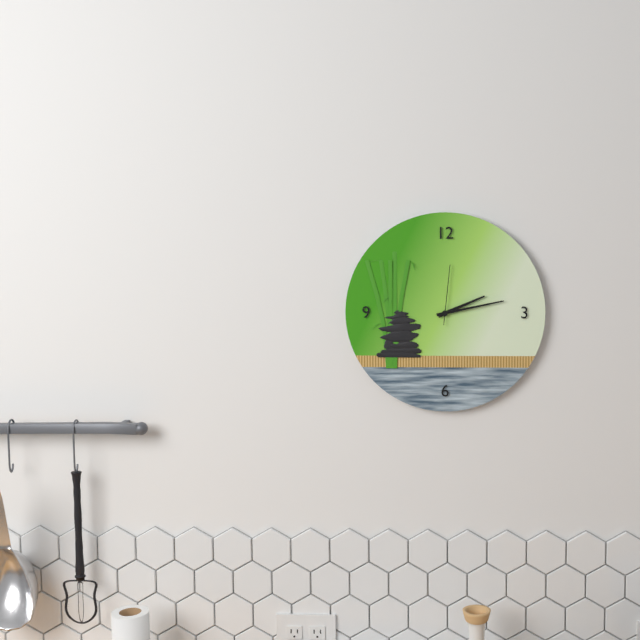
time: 2:13:01
